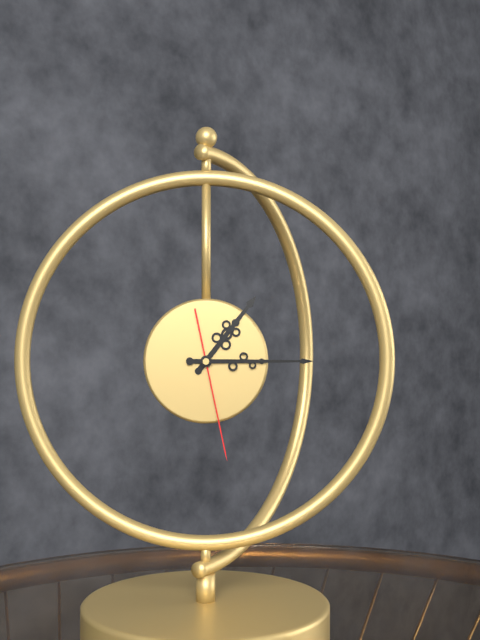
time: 1:15:28
